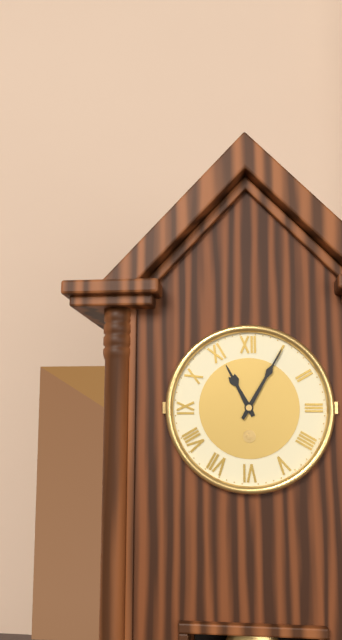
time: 11:05
